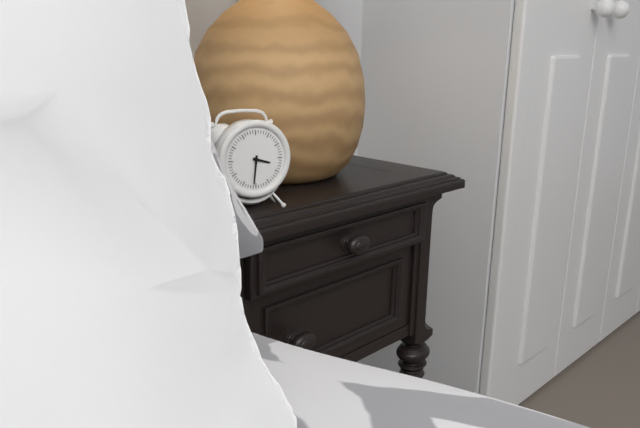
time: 3:31
